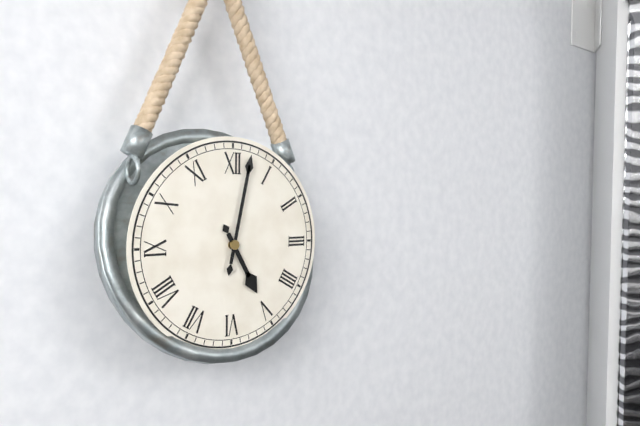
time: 5:02
